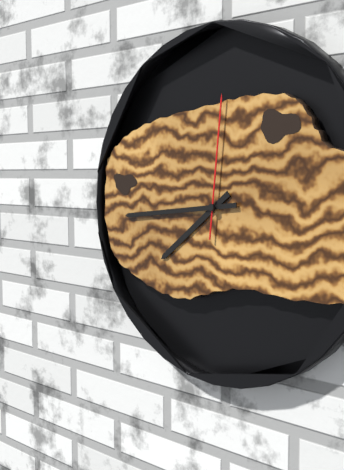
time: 7:44:01
